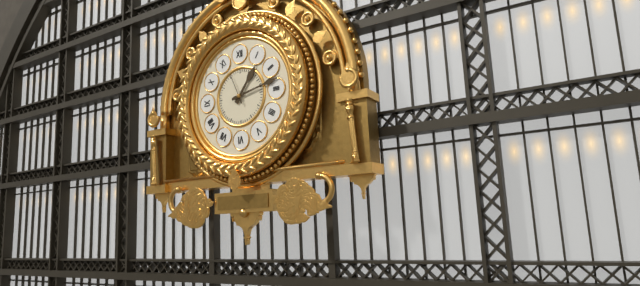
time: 1:13
